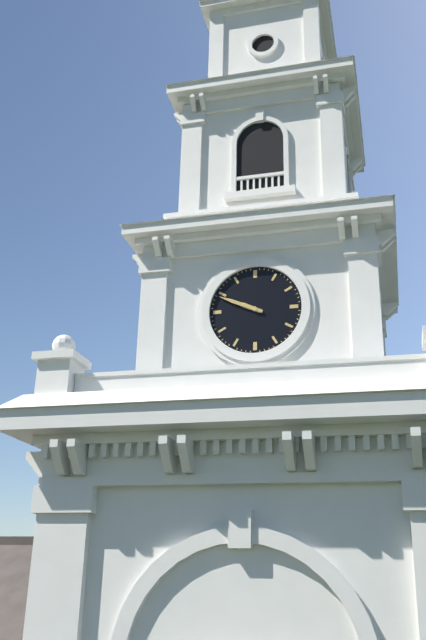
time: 9:49
